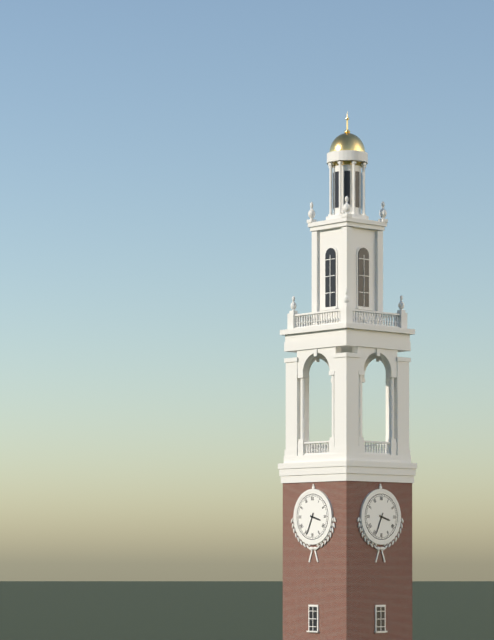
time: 3:34
